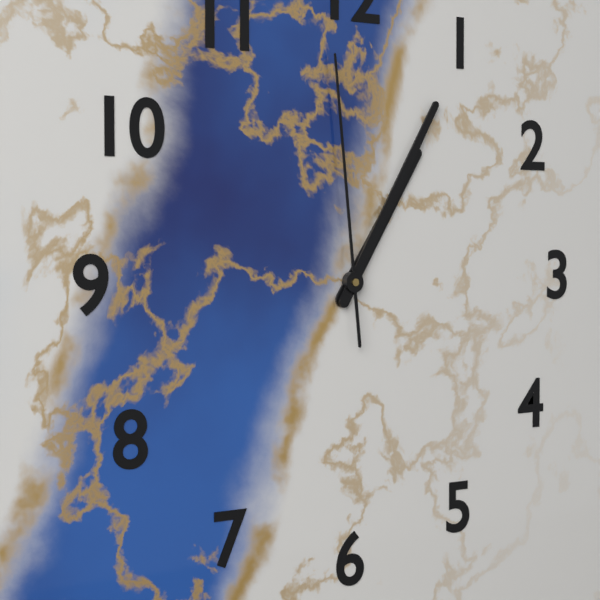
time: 1:05:59
